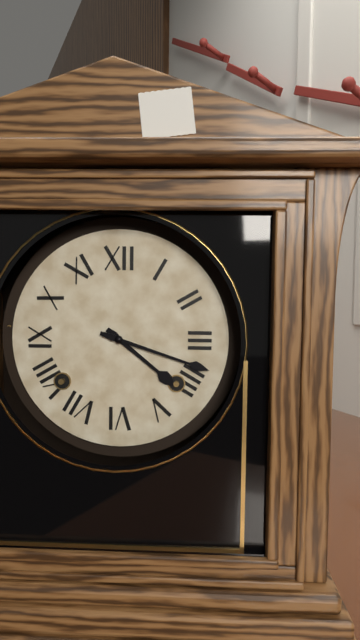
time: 4:18
